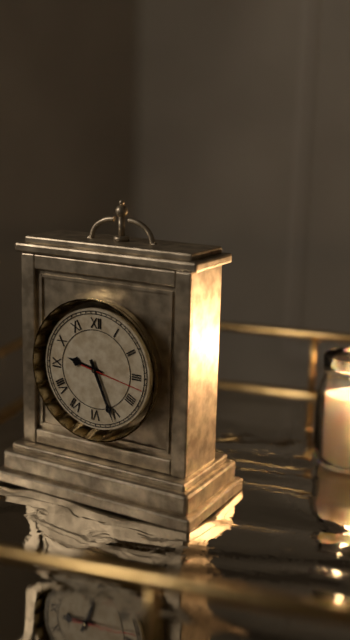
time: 9:26:17
